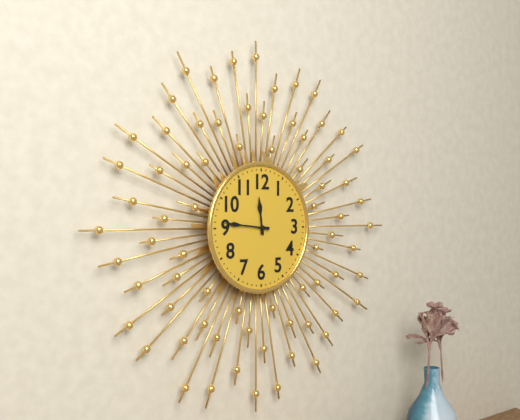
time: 11:46
